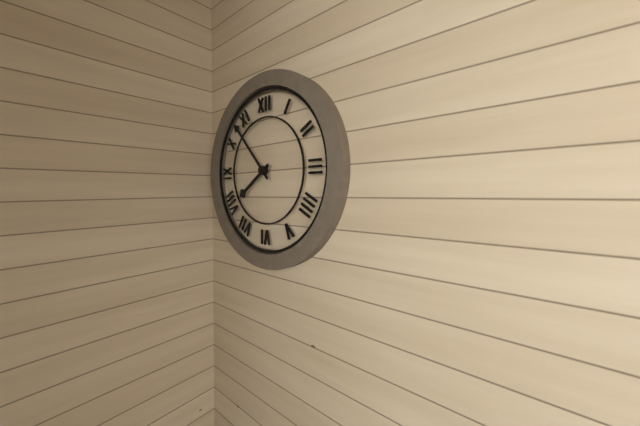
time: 7:53
